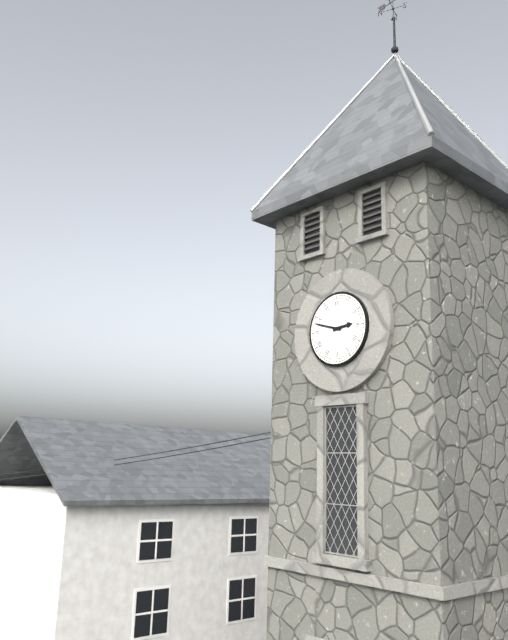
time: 2:48
